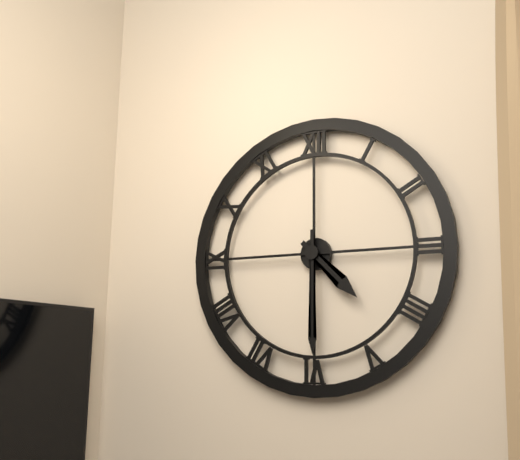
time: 4:30
